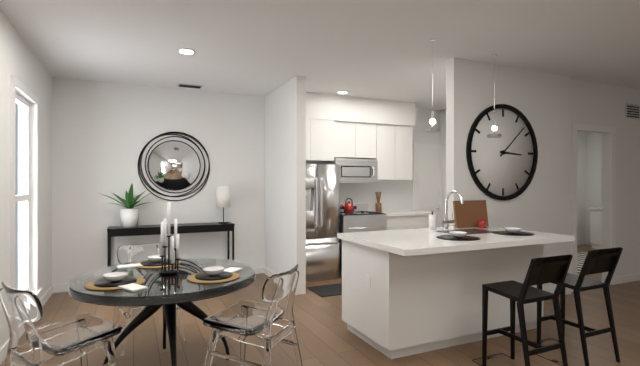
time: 3:08
